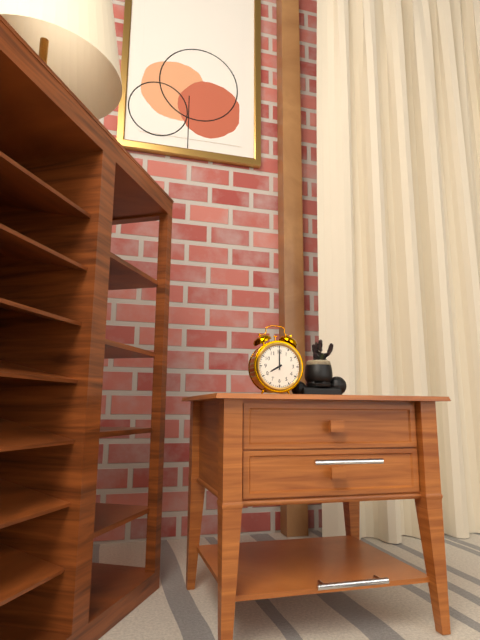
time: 8:00
